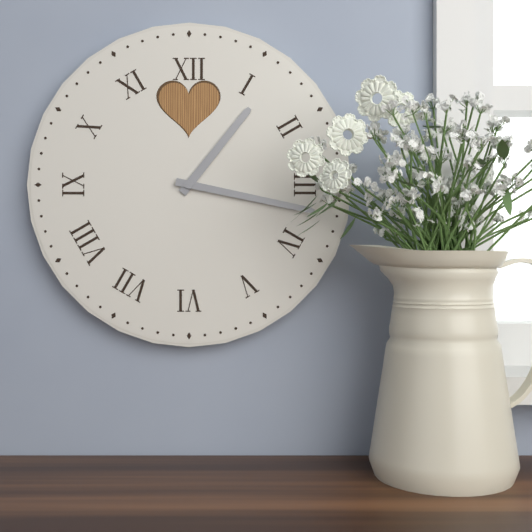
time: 1:17
